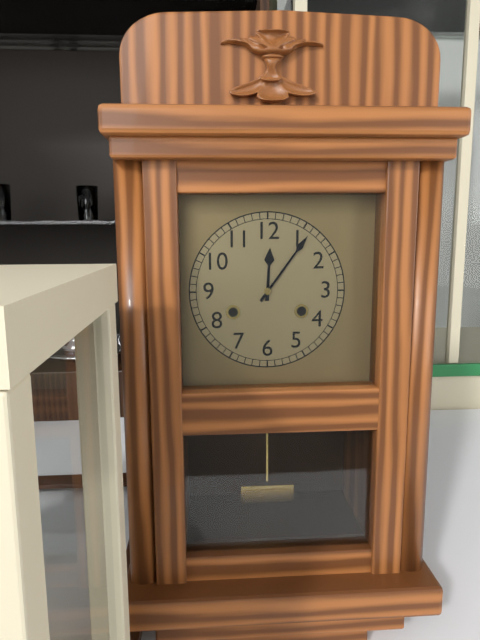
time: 12:06
